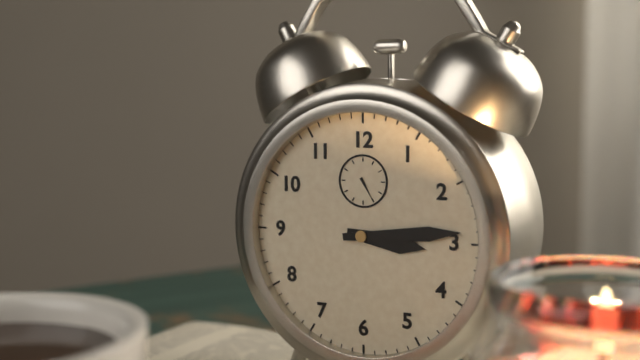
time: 3:14
